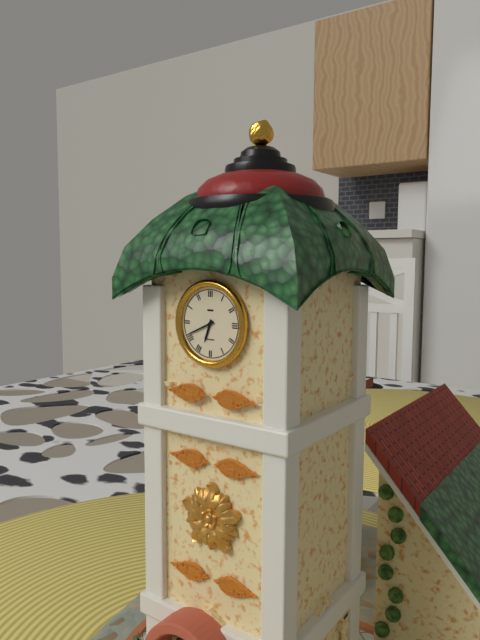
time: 6:41
